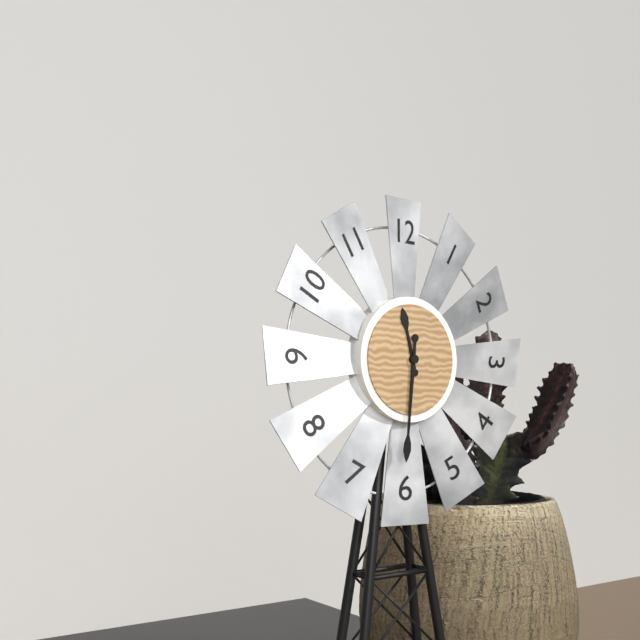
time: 11:31
